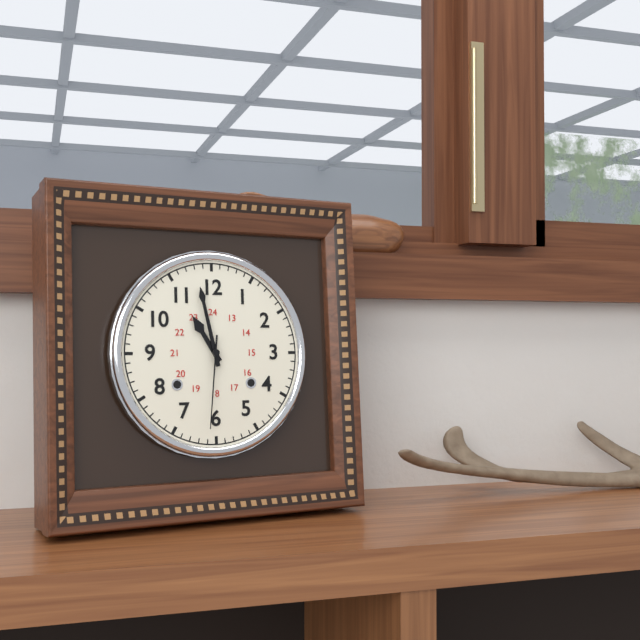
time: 10:58:31
